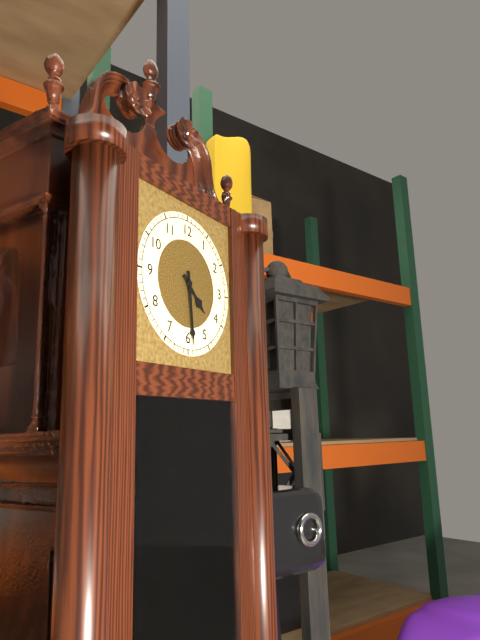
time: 4:29
